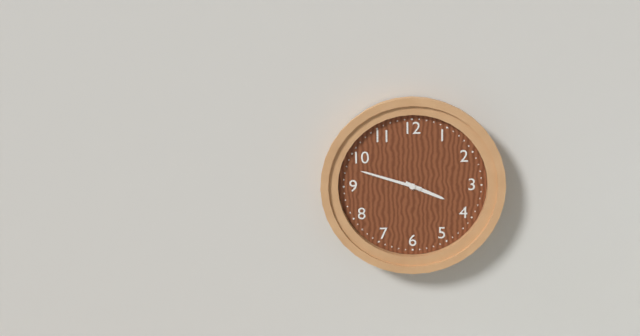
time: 3:48
